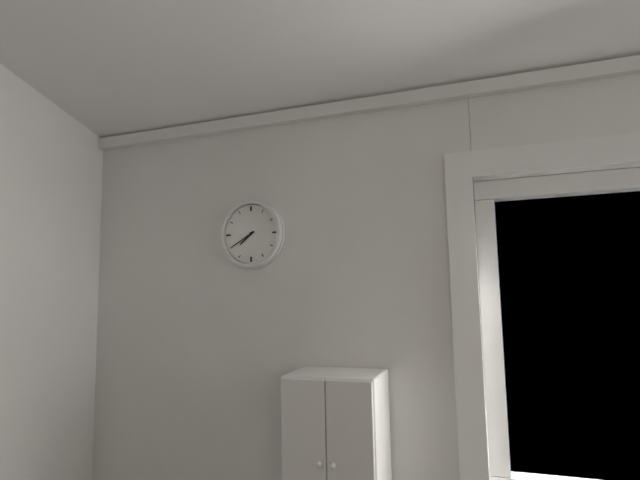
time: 7:40
